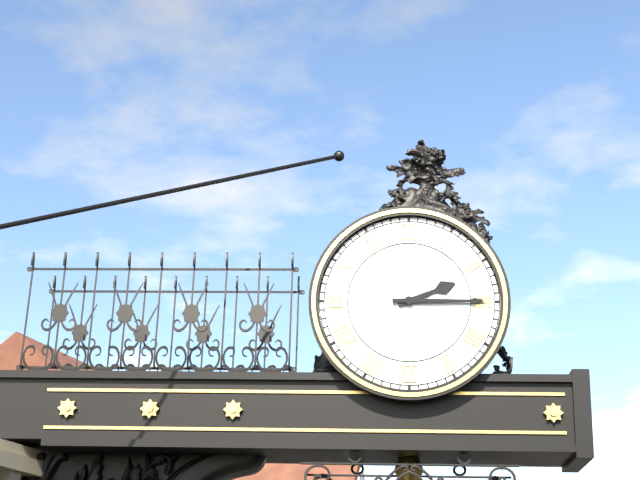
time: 2:15
